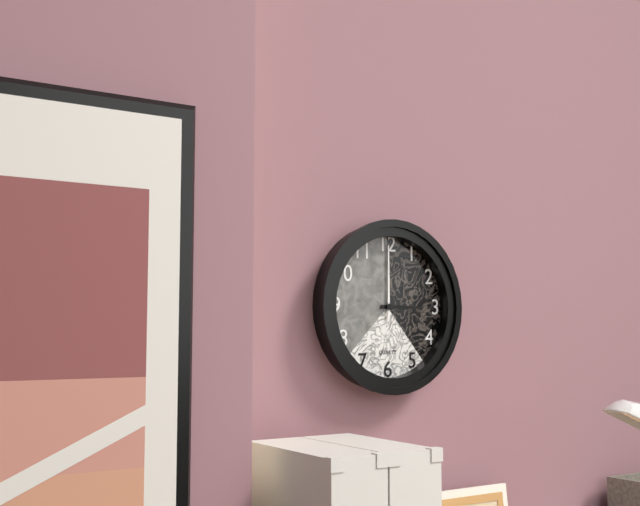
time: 3:00
